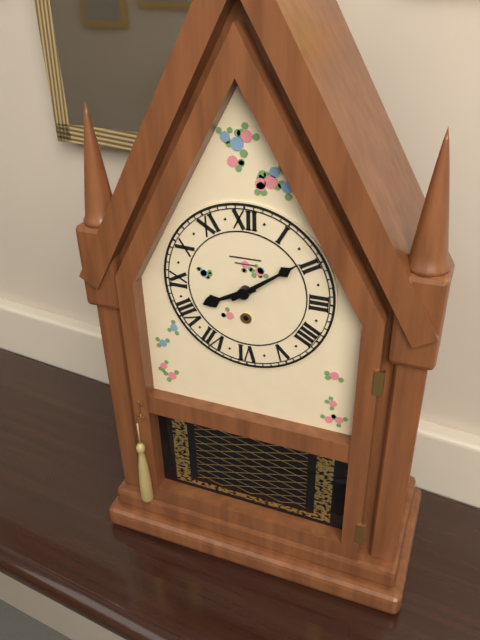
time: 8:09
